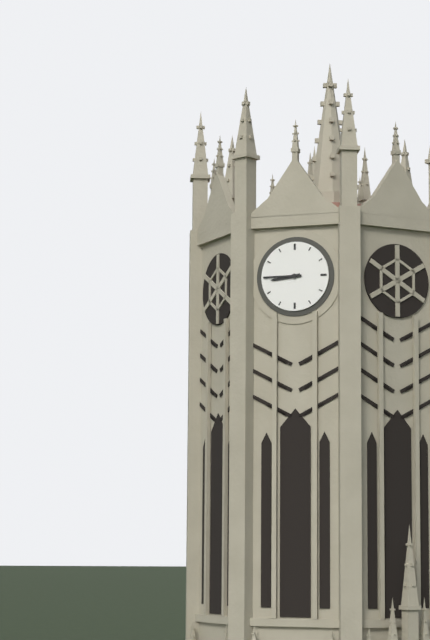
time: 8:45
